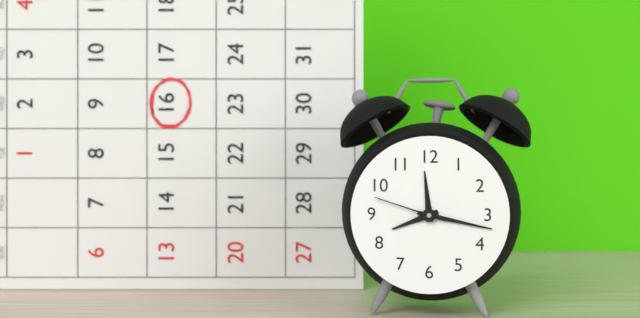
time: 8:17:48
